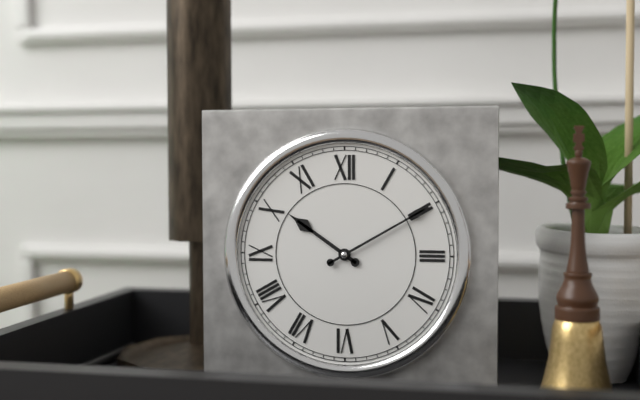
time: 10:10
